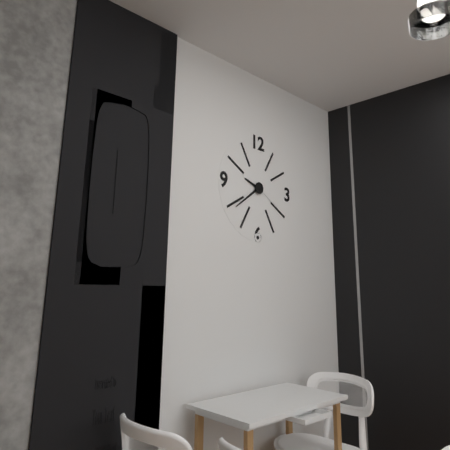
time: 9:39
